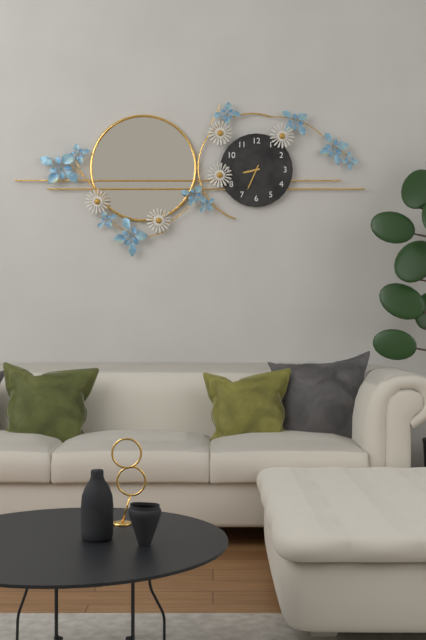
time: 8:34
